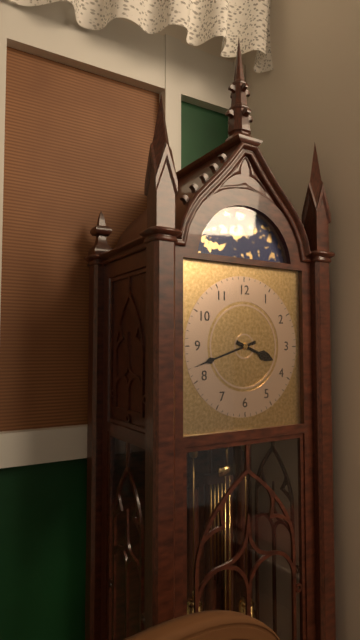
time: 3:42
